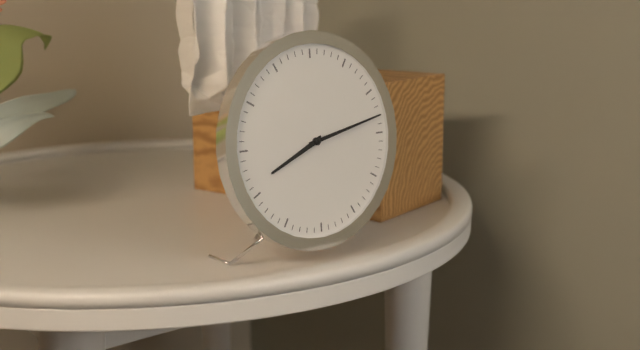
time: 8:13
